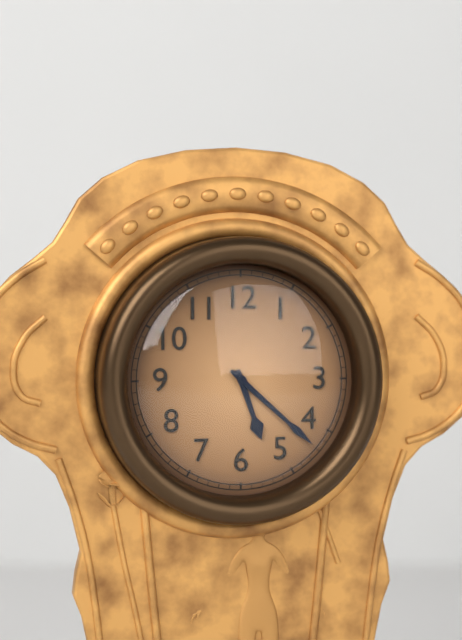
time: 5:22
